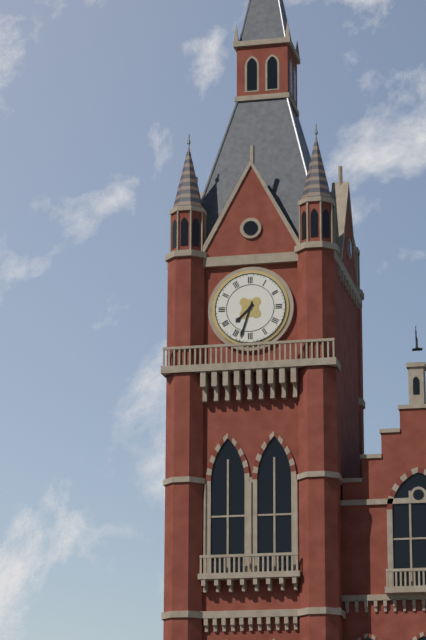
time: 7:33
